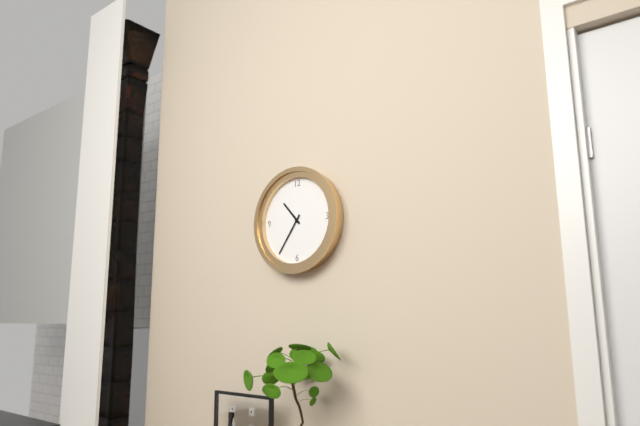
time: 10:36
